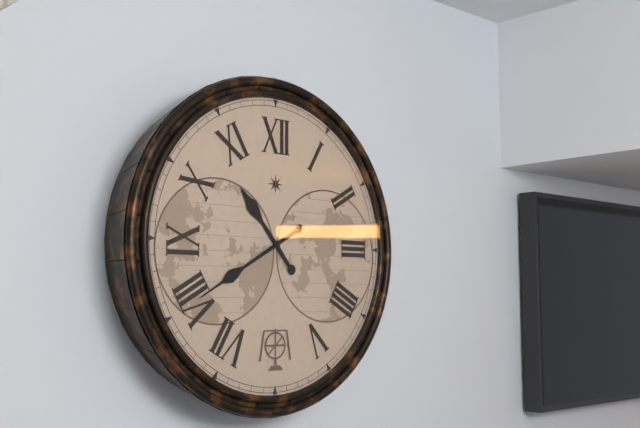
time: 10:40
